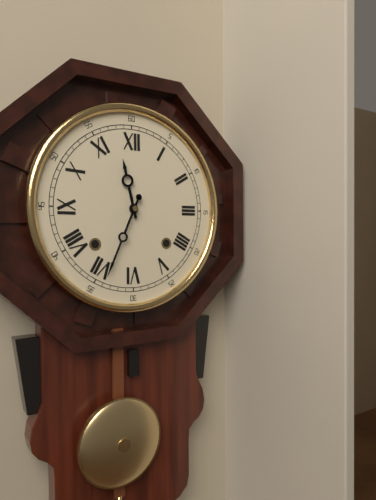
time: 11:34
